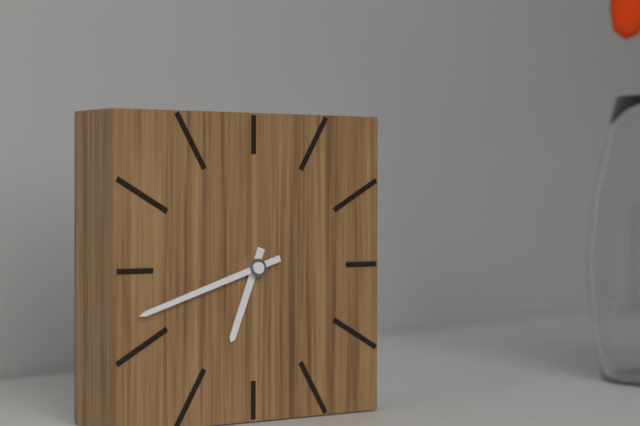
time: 6:42
